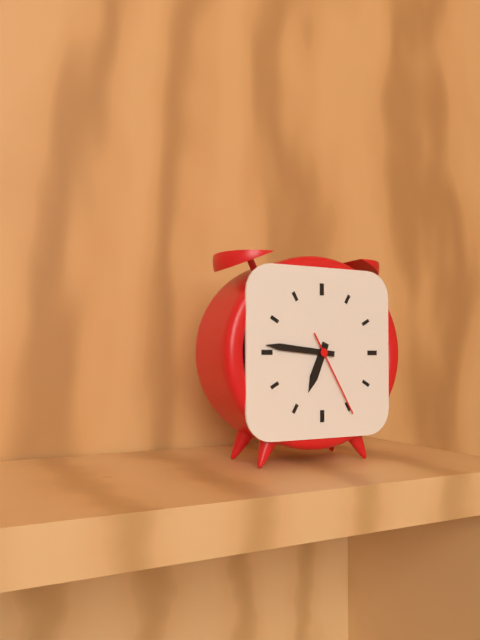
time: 6:46:25
